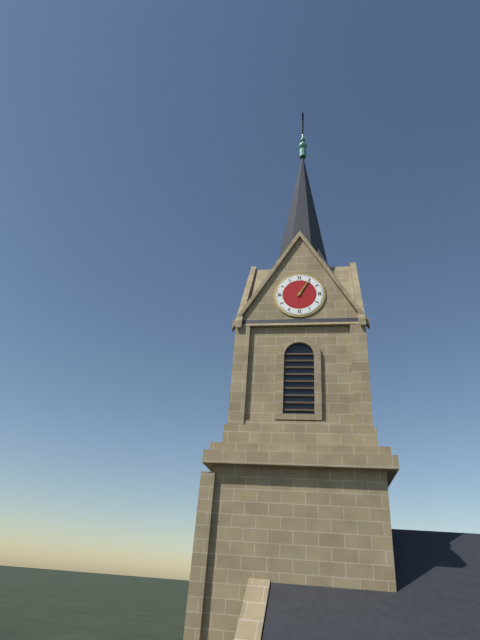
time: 1:05
